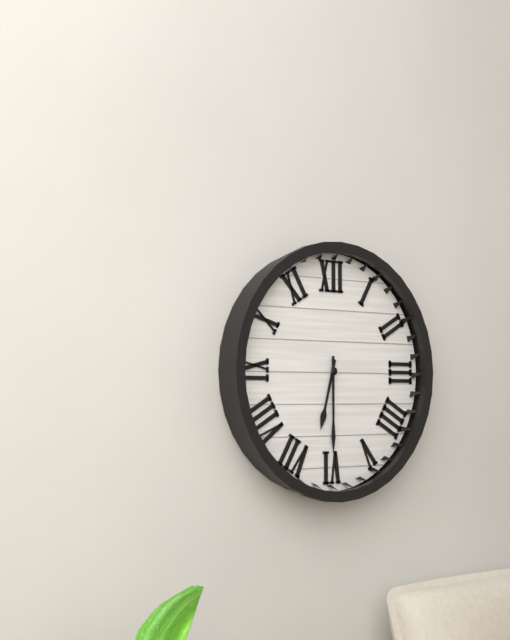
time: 6:30
